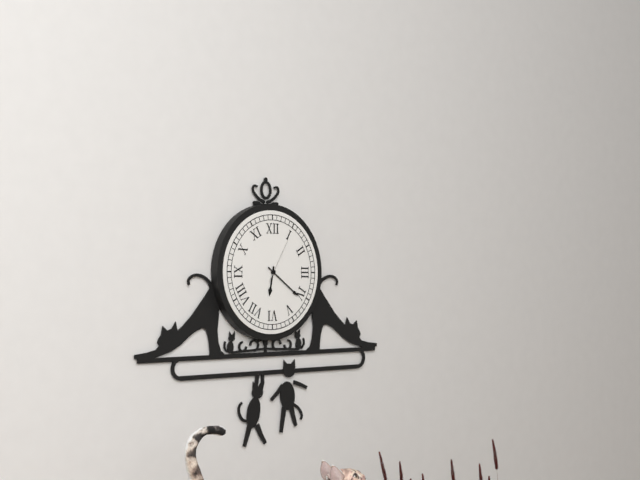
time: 6:21
